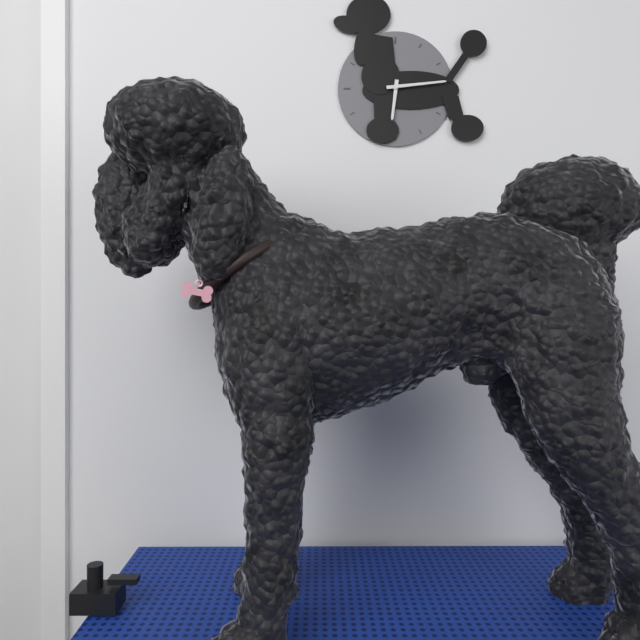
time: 6:14
